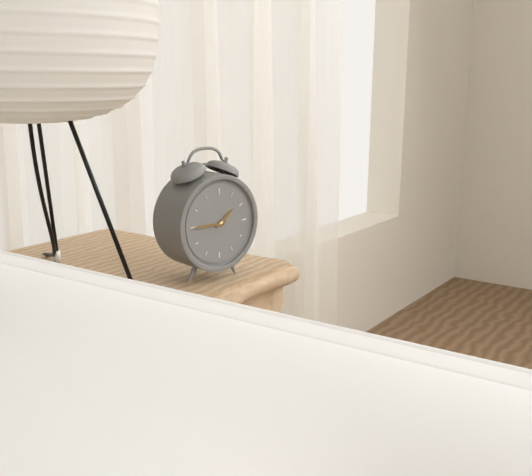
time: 1:45
